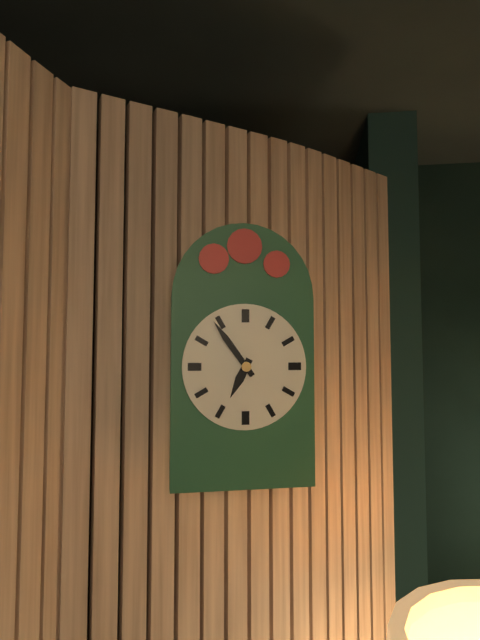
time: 6:54
